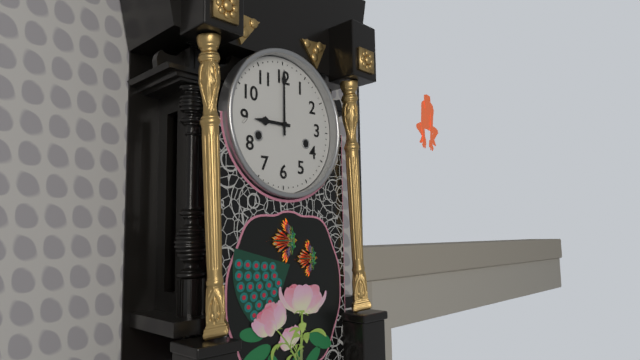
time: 9:00
